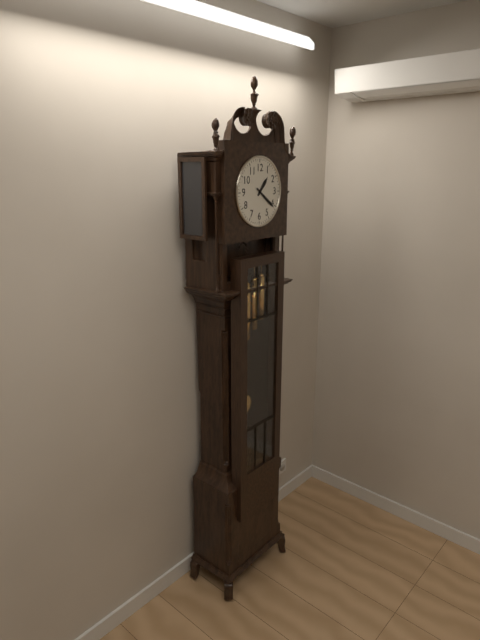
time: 1:21
